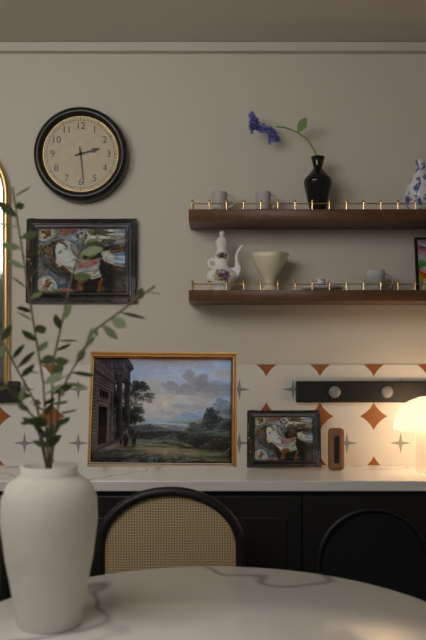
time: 2:29
